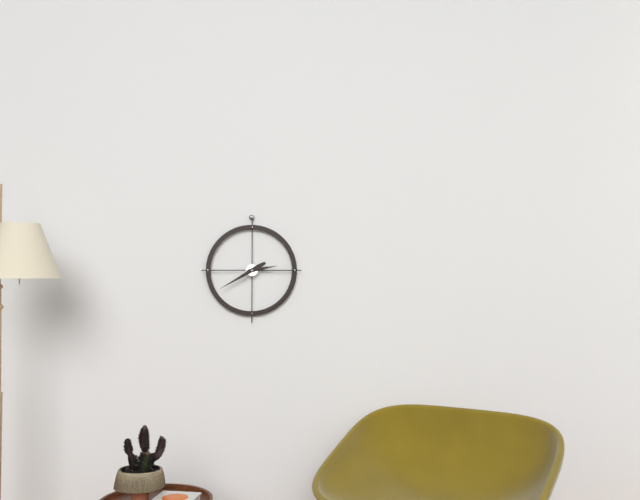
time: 2:40
